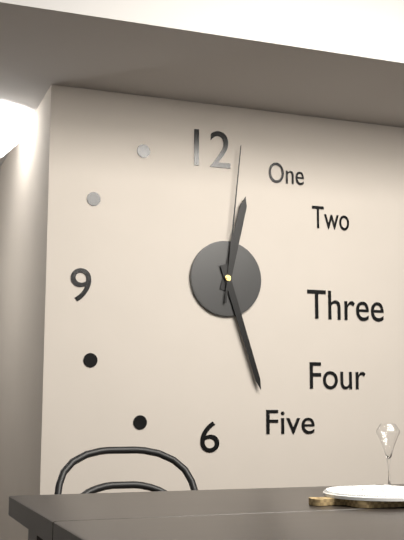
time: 12:27:01
